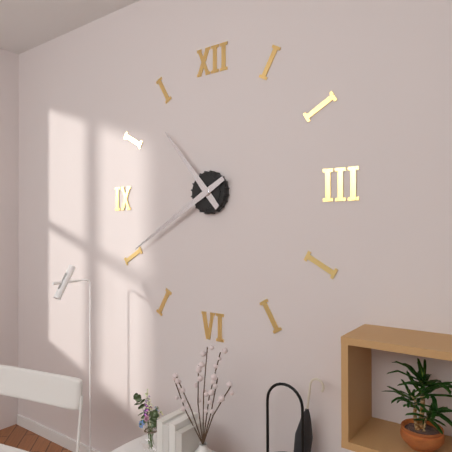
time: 10:40
